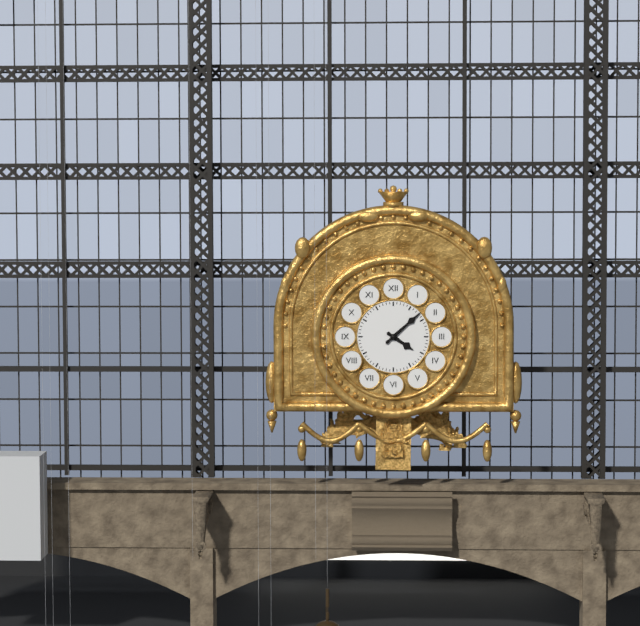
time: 4:08
